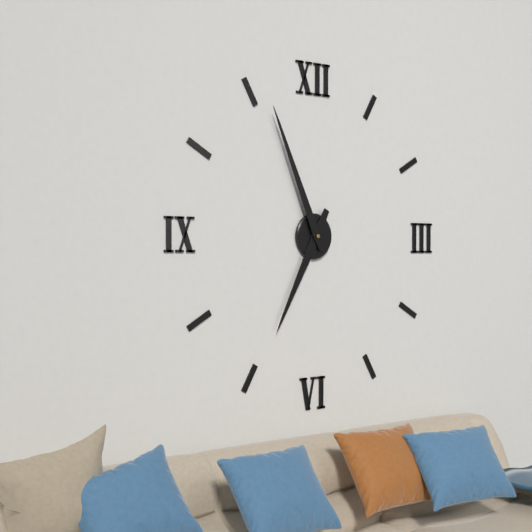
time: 6:56
